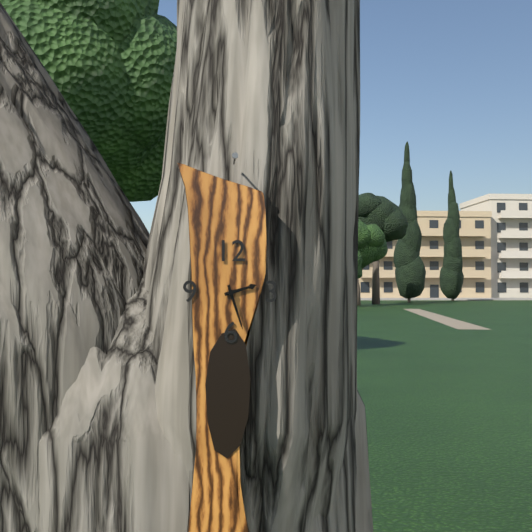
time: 2:27
